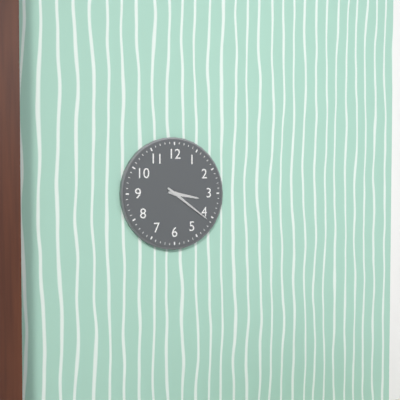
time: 3:21
